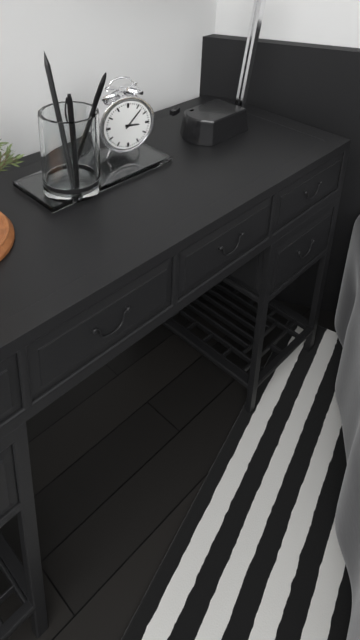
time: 3:07
